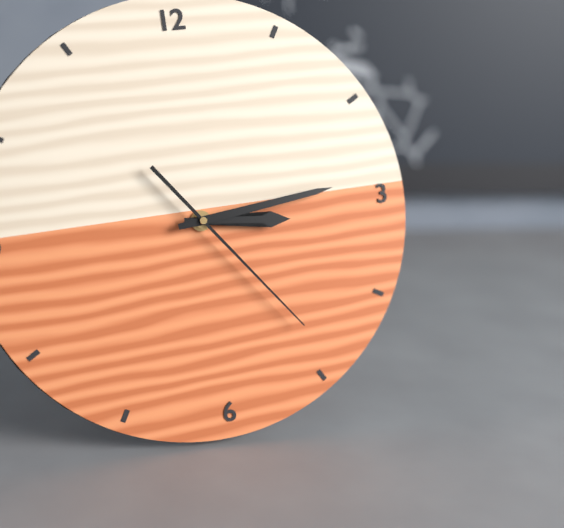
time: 3:14:24
